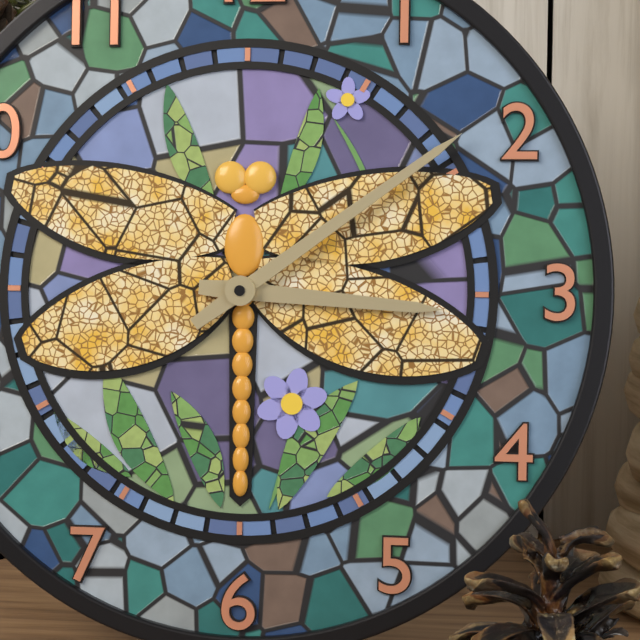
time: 3:09
